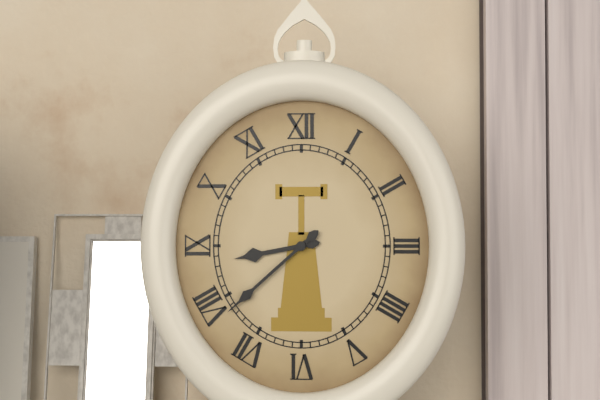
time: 8:38
